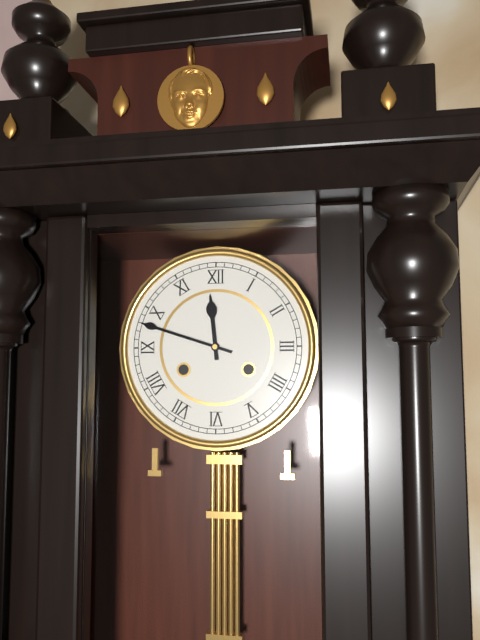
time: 11:48
